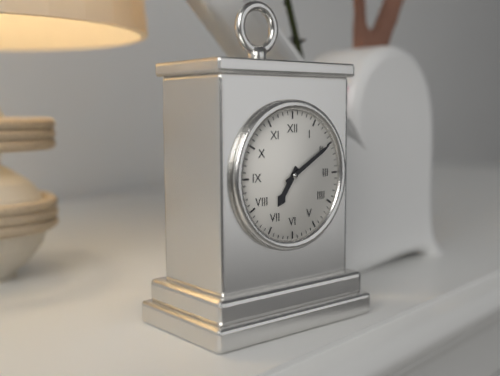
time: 7:10
